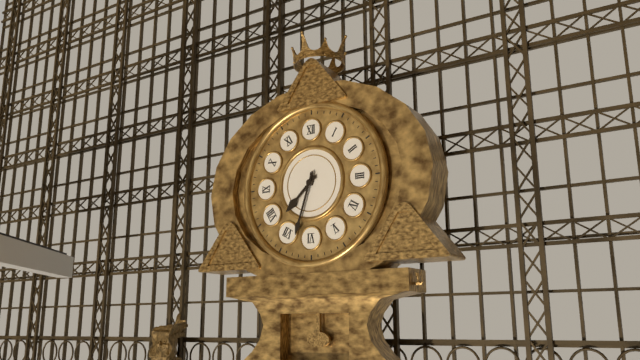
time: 7:33
